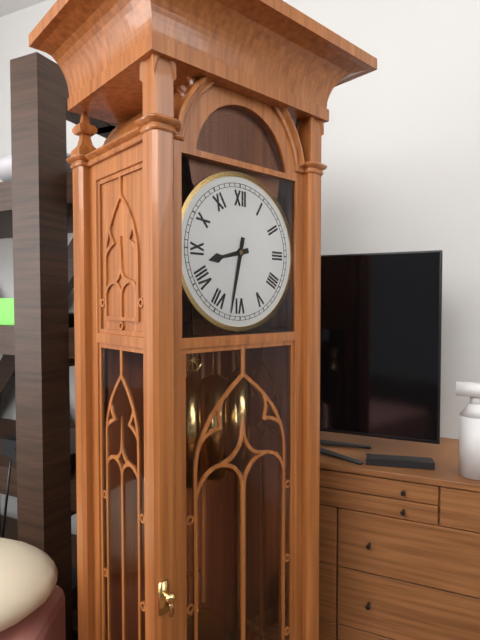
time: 8:32
